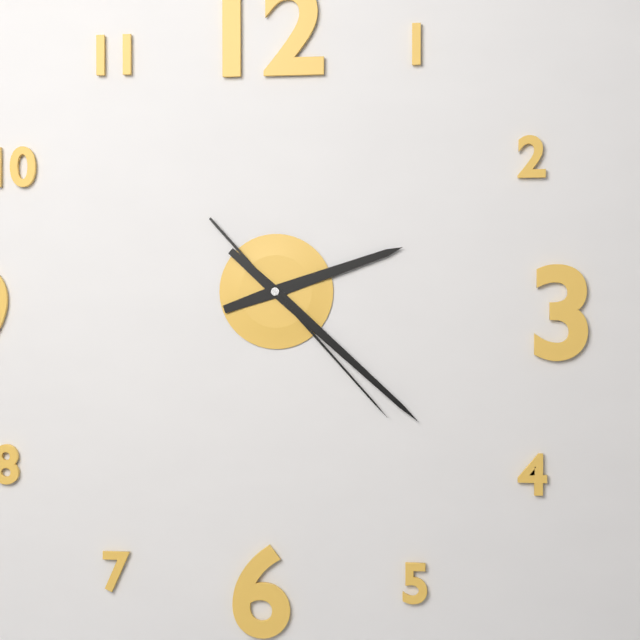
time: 2:22:23
